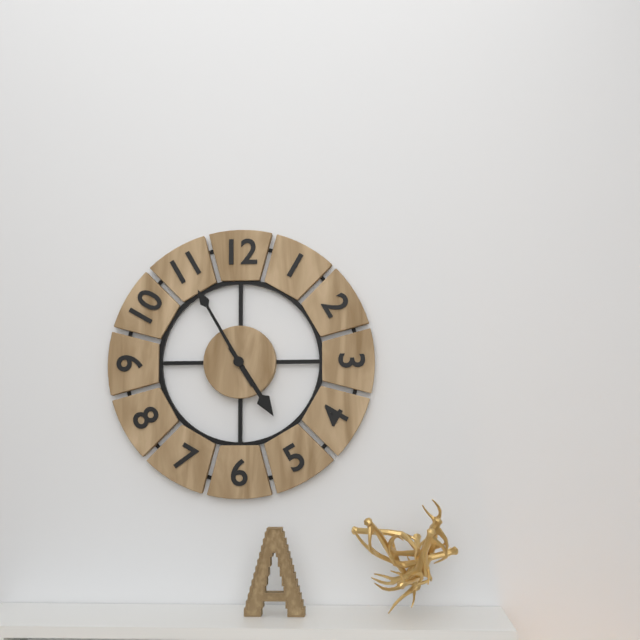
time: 4:55
